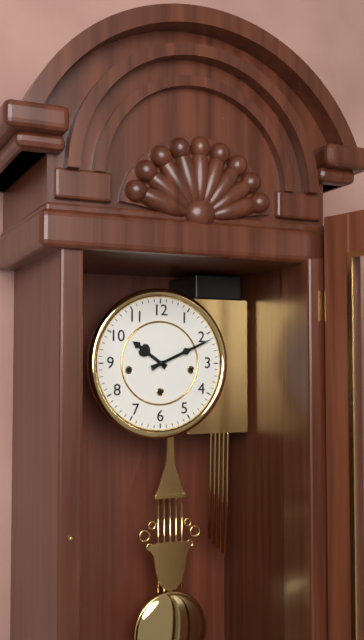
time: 10:11
